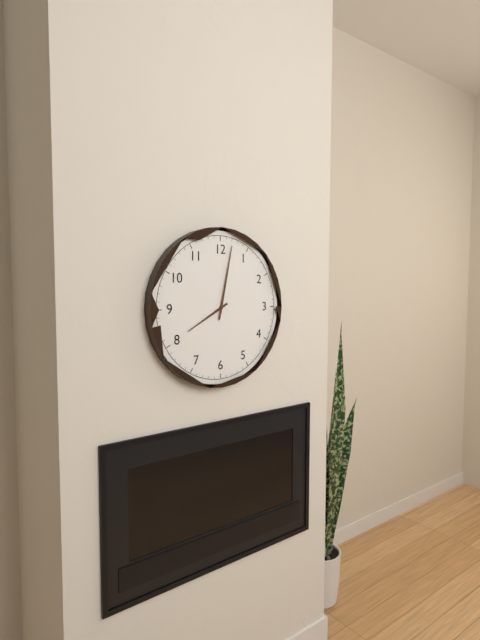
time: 8:02
